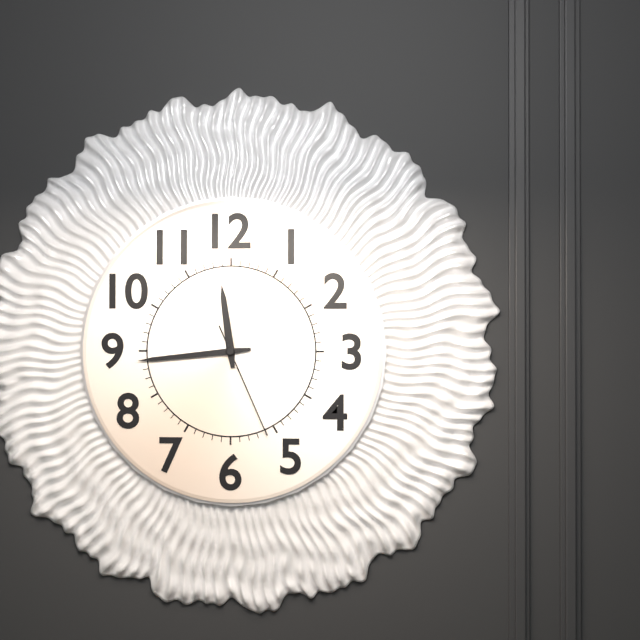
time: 11:44:26
